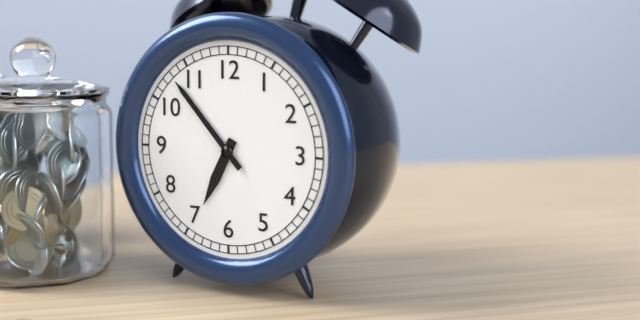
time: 6:53
